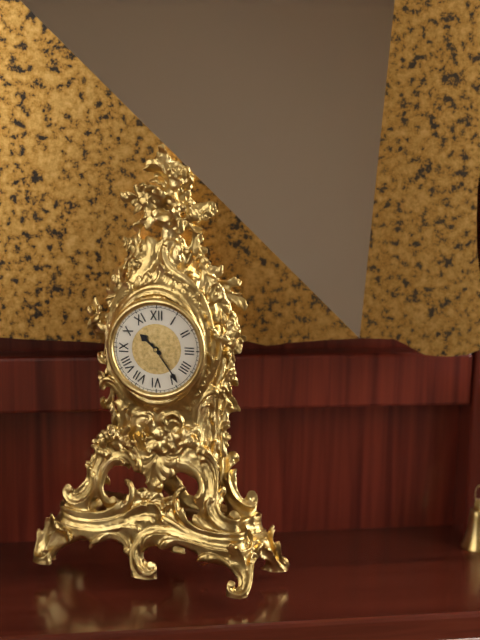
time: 10:24
